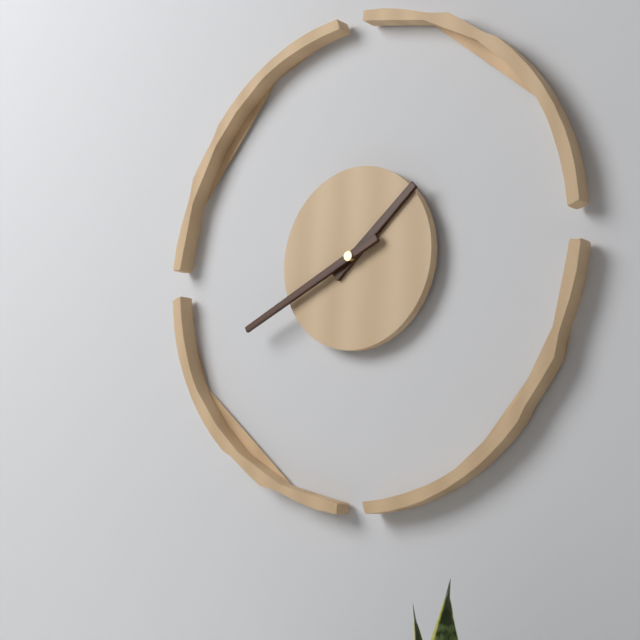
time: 1:41
